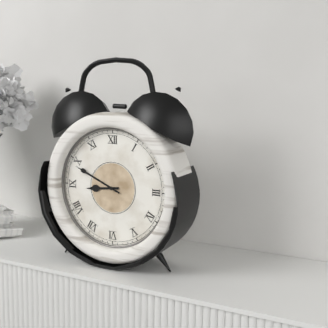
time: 8:49
